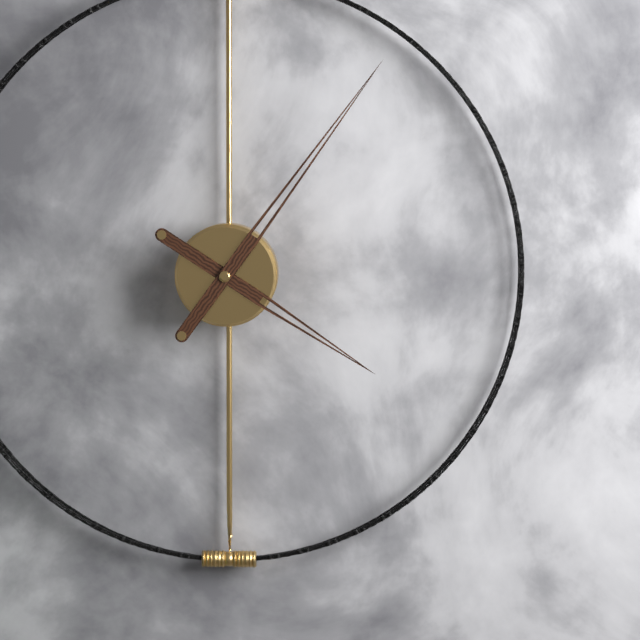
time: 4:06
